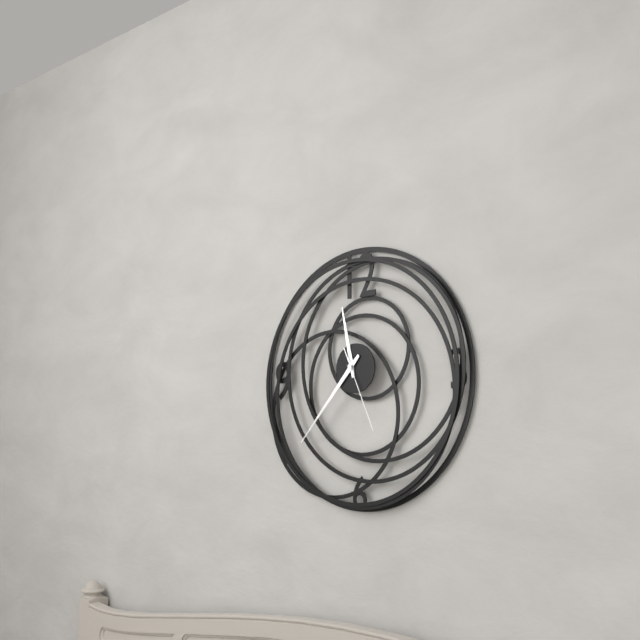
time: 11:37:26
